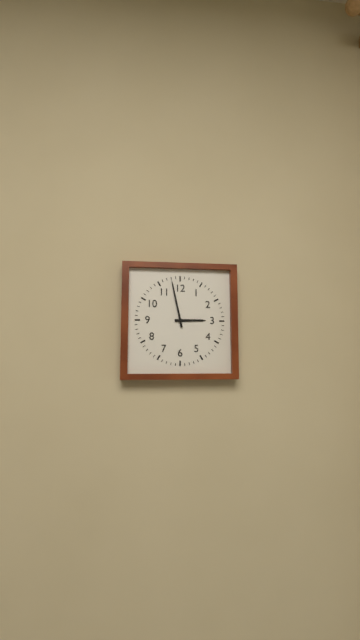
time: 2:58
